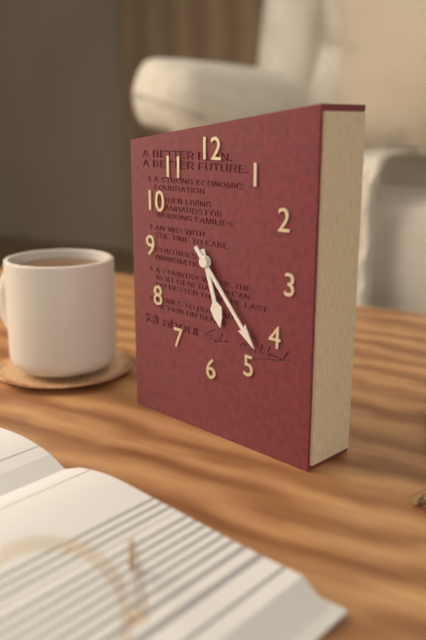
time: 5:23
